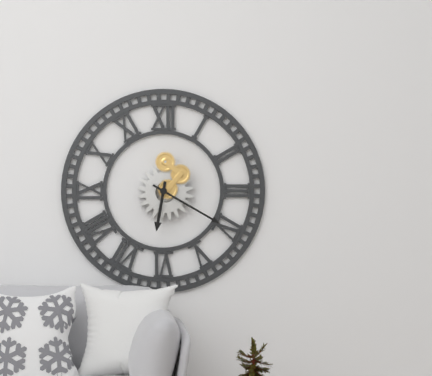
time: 6:20
